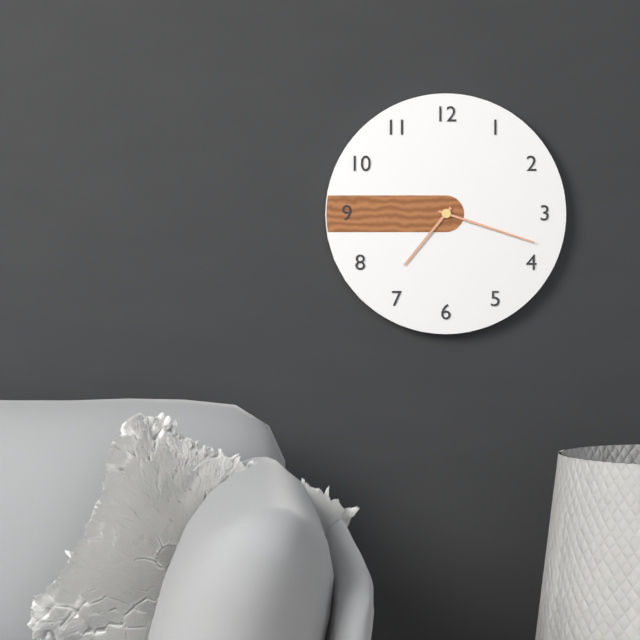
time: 7:18
